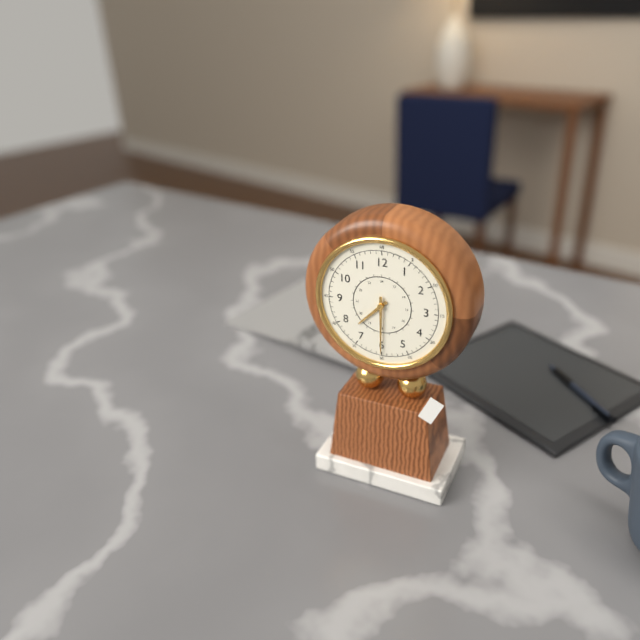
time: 7:30
